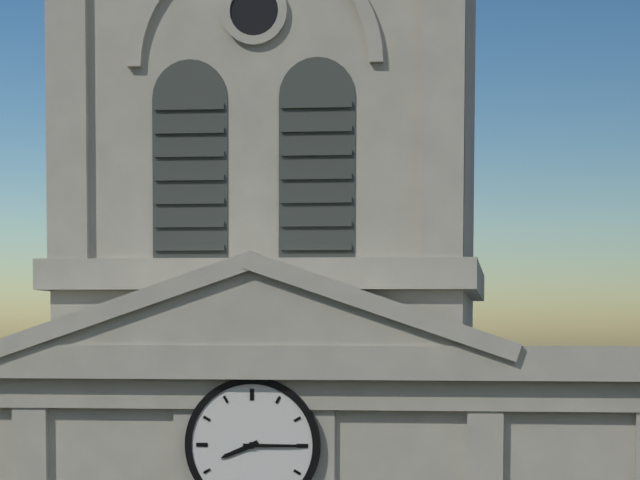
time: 8:15
